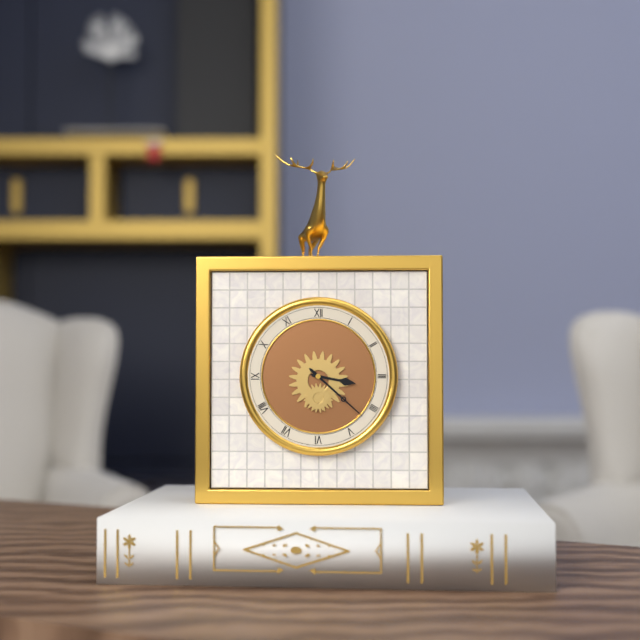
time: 3:22
